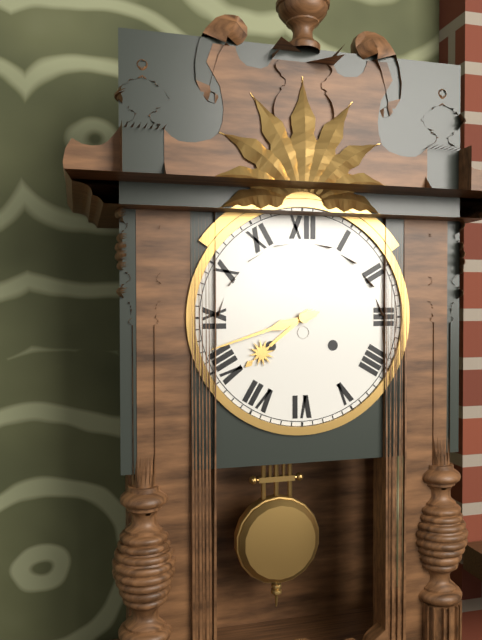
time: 7:42
